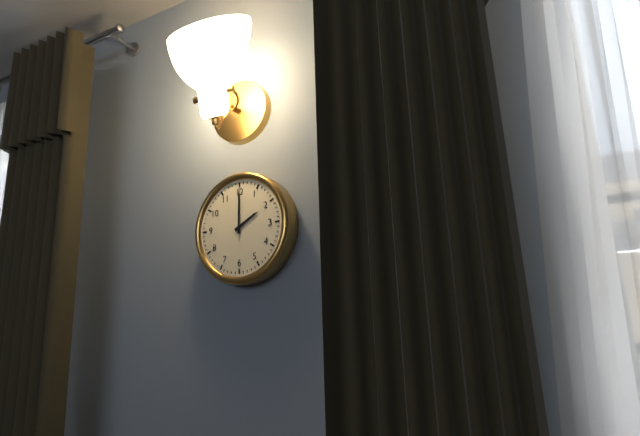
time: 2:00
